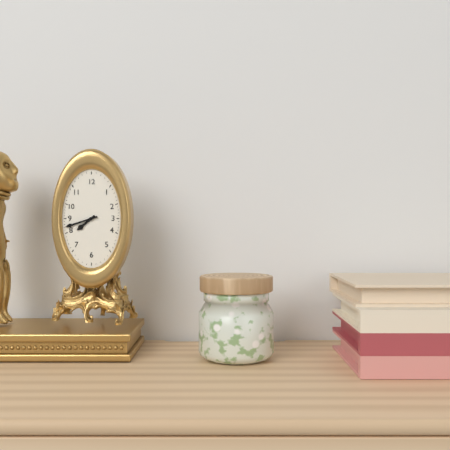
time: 7:42
